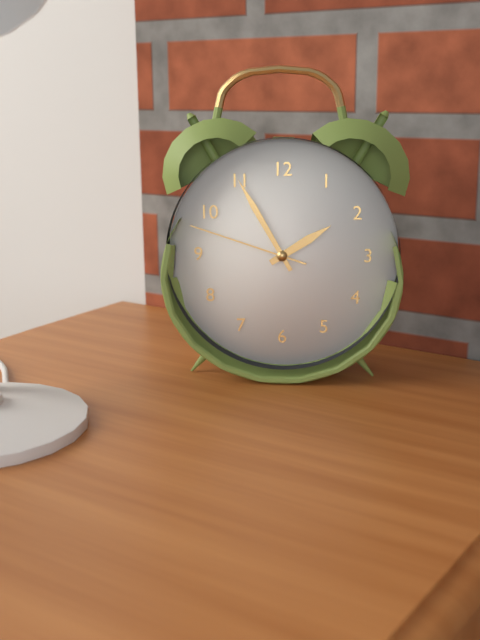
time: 1:55:48
